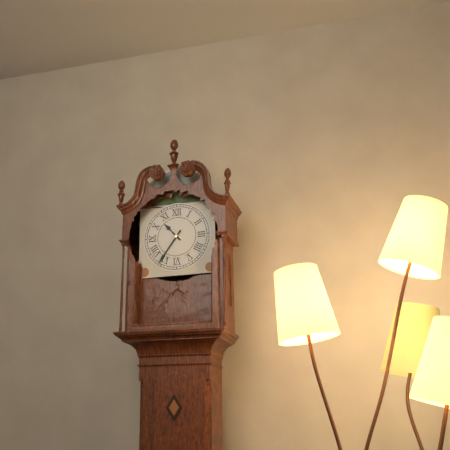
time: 10:36
